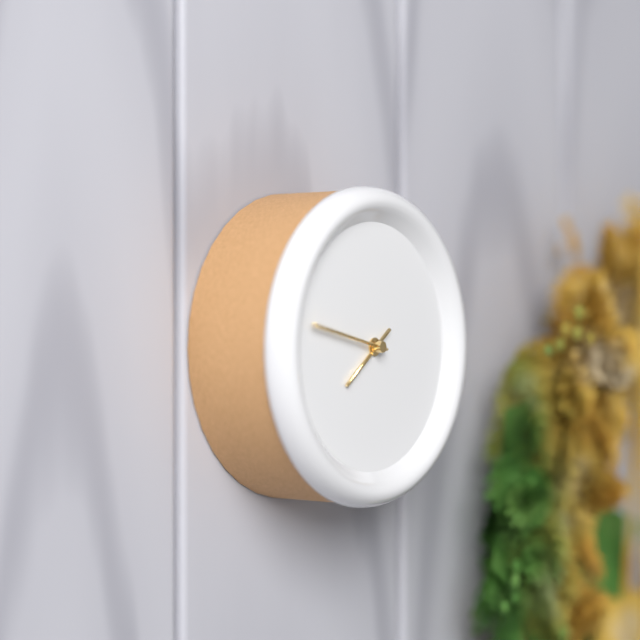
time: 7:47
